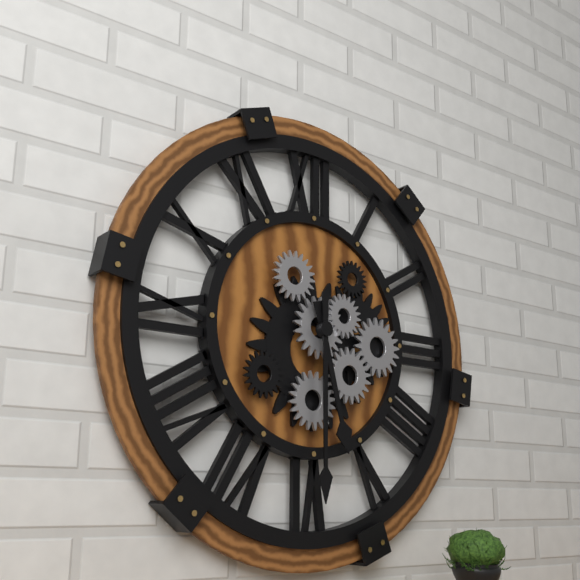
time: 5:30
